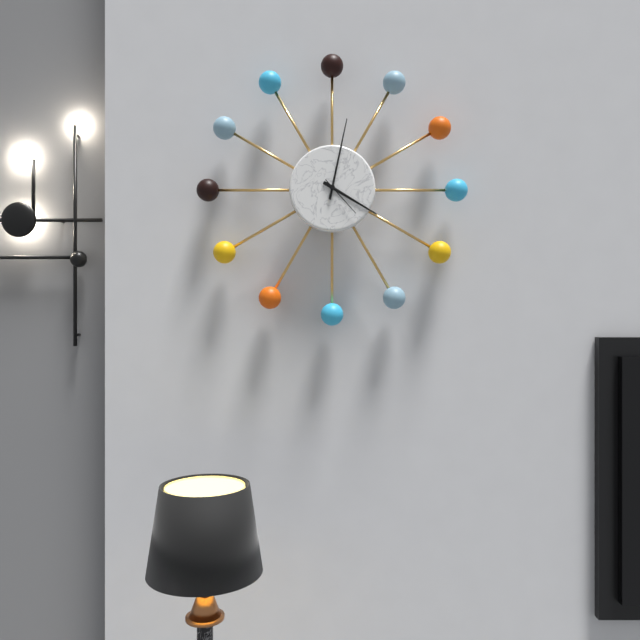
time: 4:02
